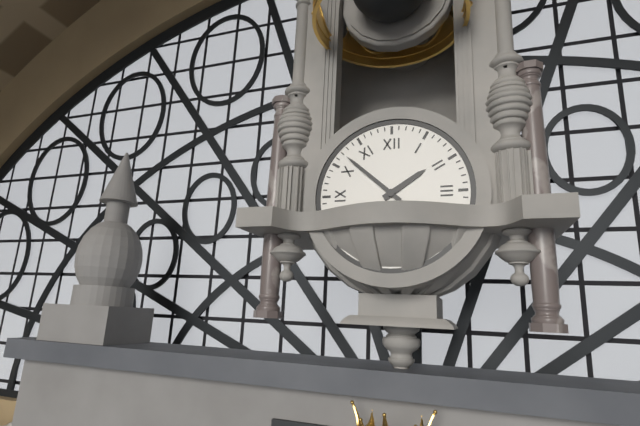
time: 1:52
